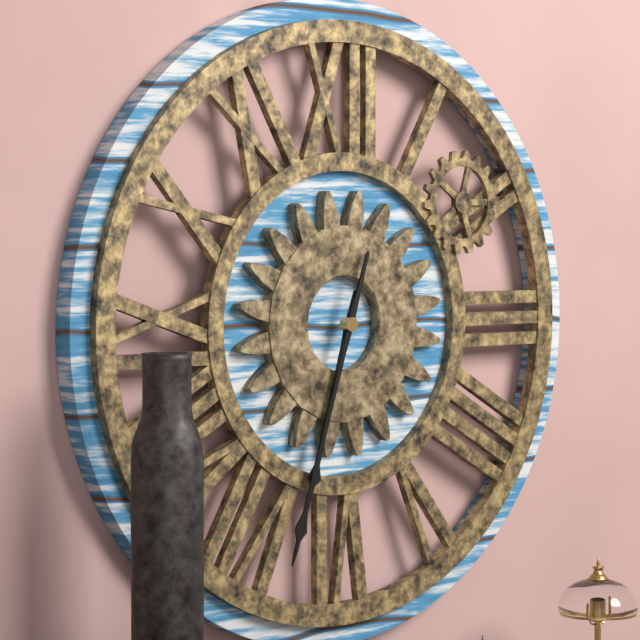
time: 6:33
